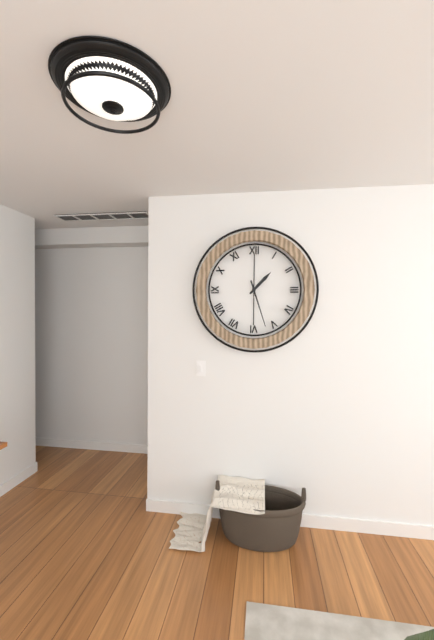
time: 1:27
